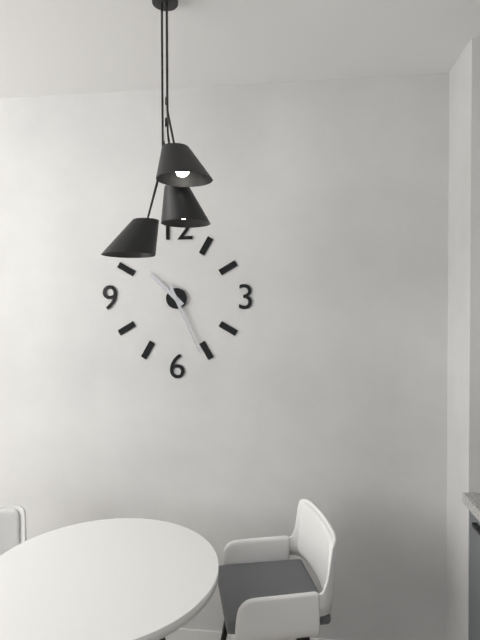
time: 10:26
